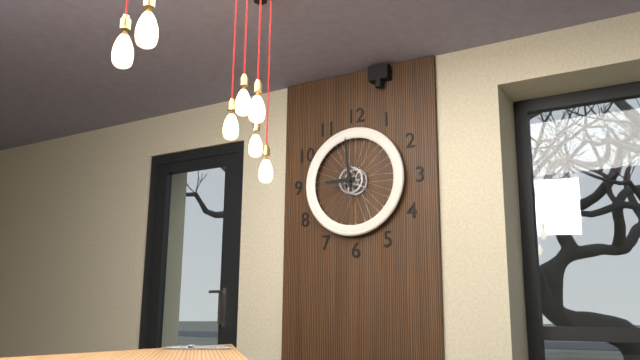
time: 8:59
